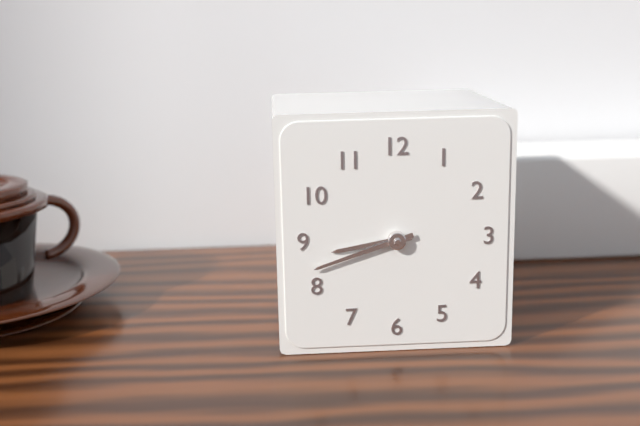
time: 8:42
